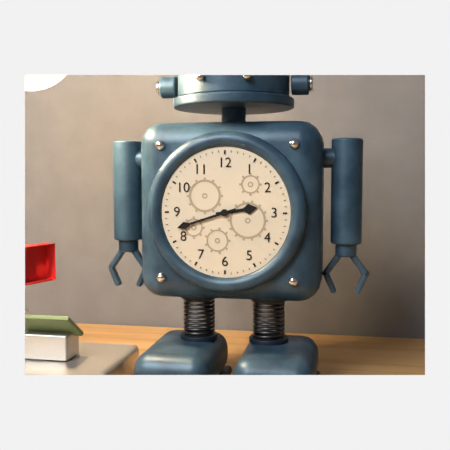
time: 2:42
